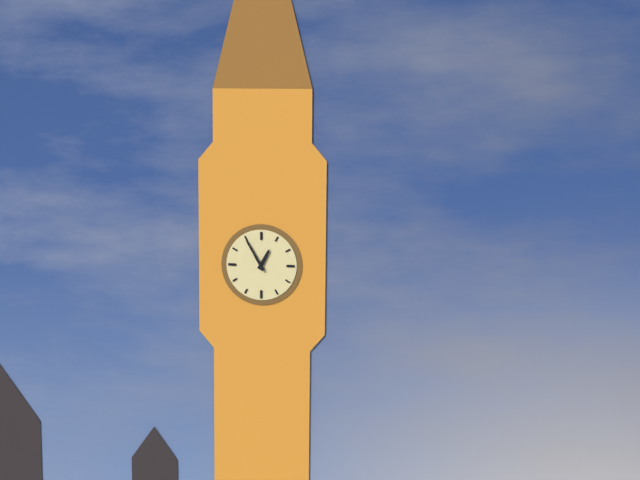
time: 12:55
